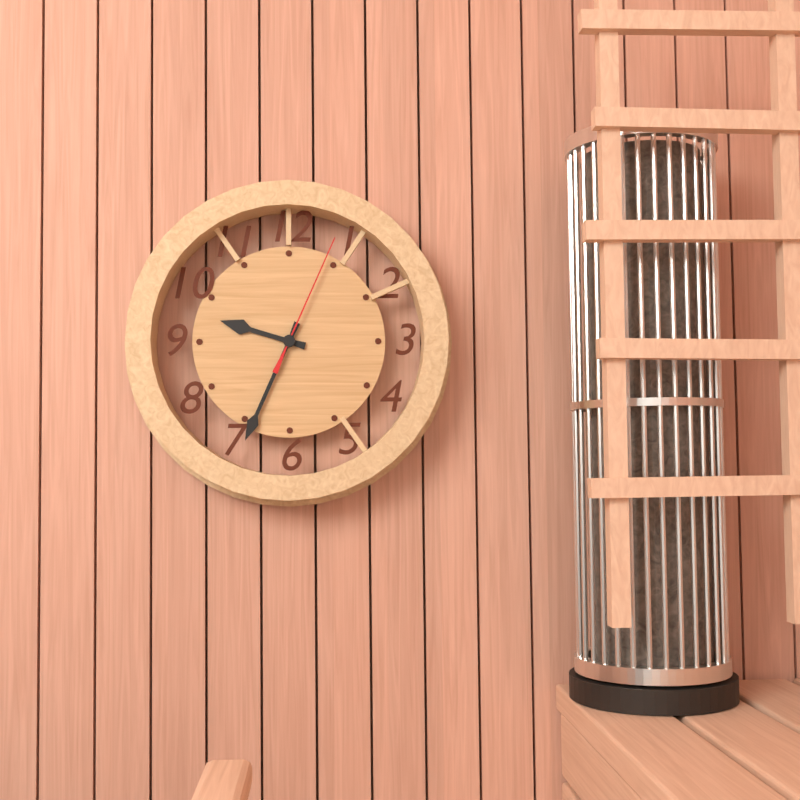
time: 9:34:04
